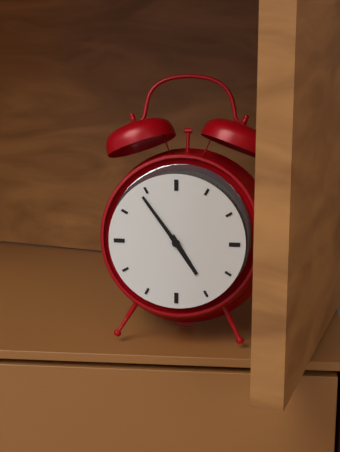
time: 4:54
